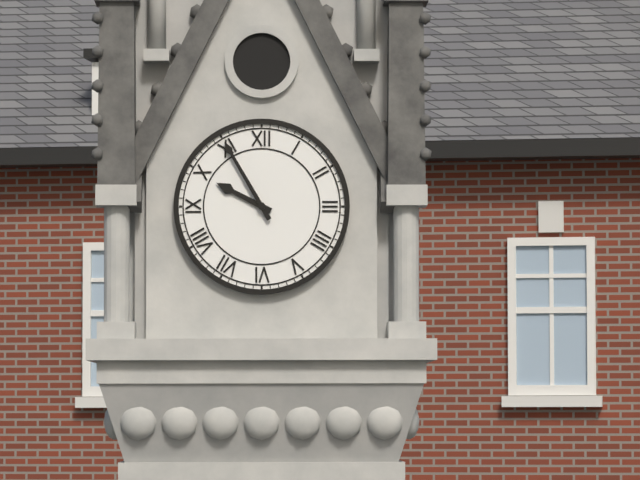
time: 9:55
